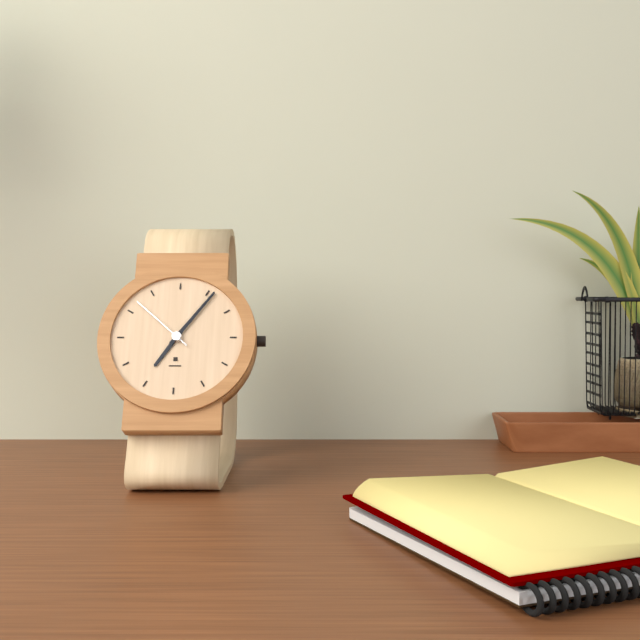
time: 7:06:52
